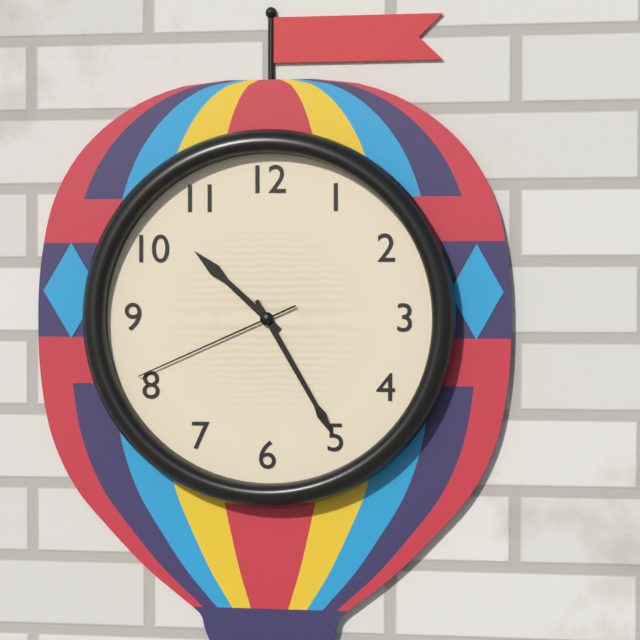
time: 10:25:41
